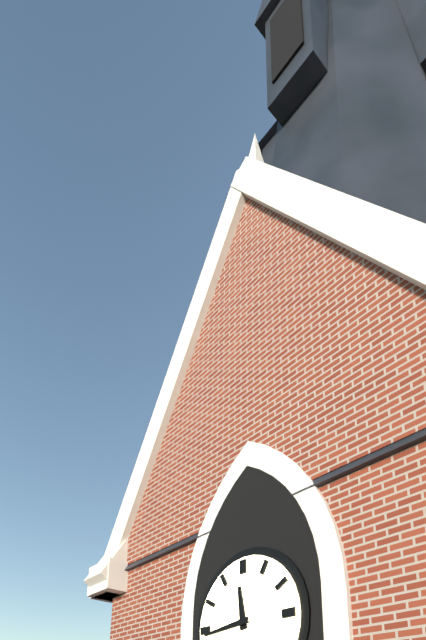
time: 11:44
